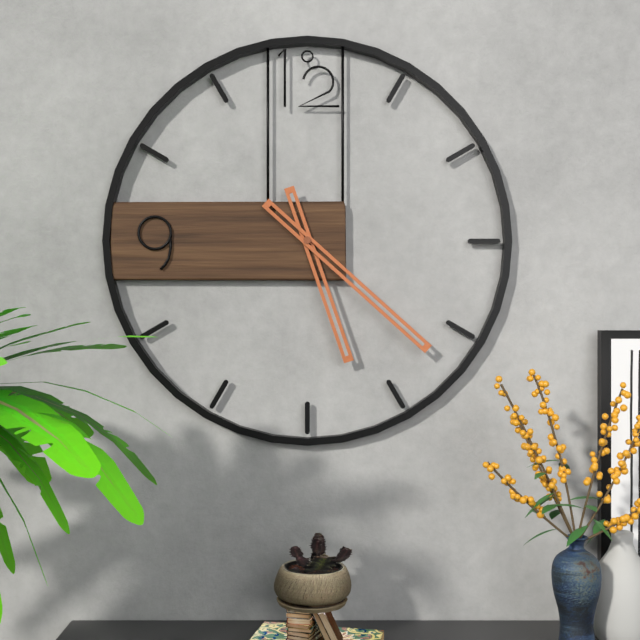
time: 5:22
